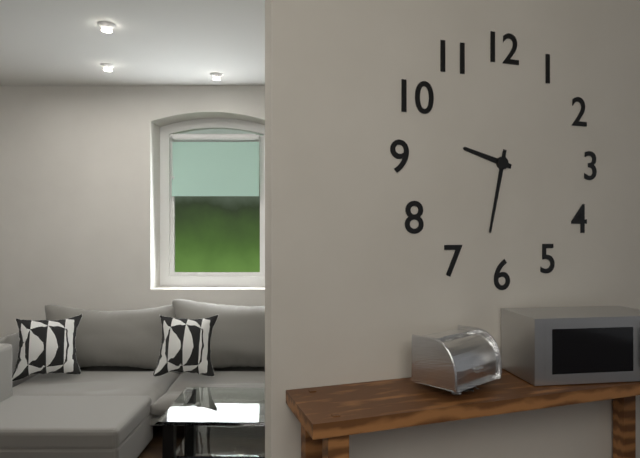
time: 9:32
